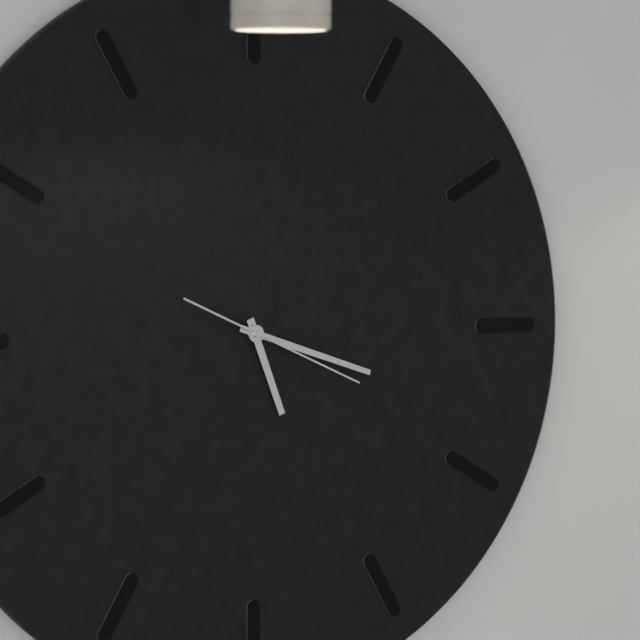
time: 5:18:19
